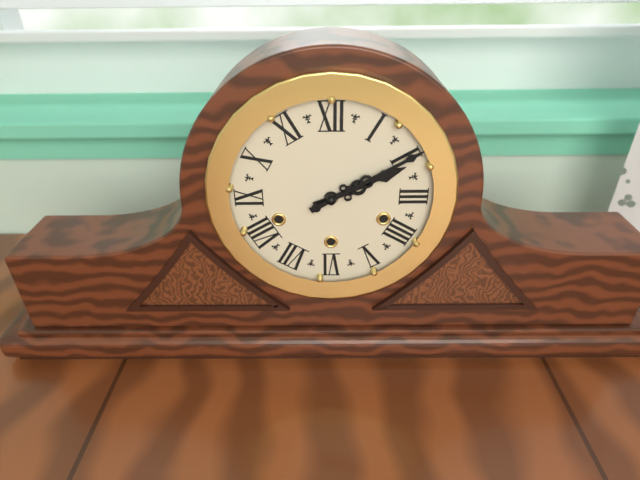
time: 2:10
